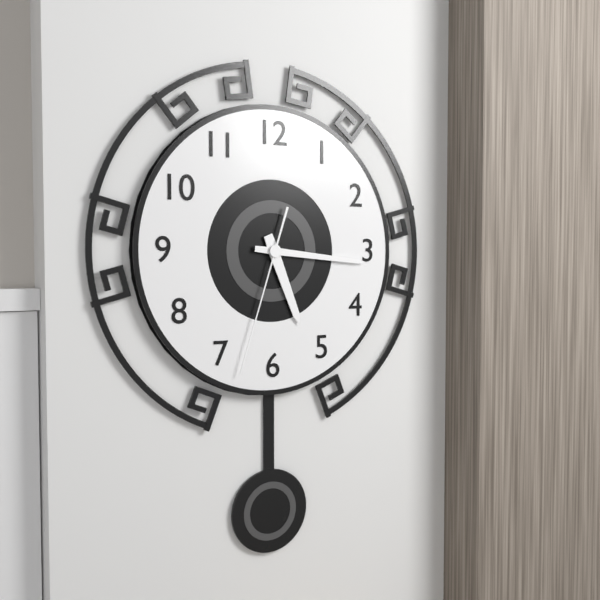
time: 5:16:33
